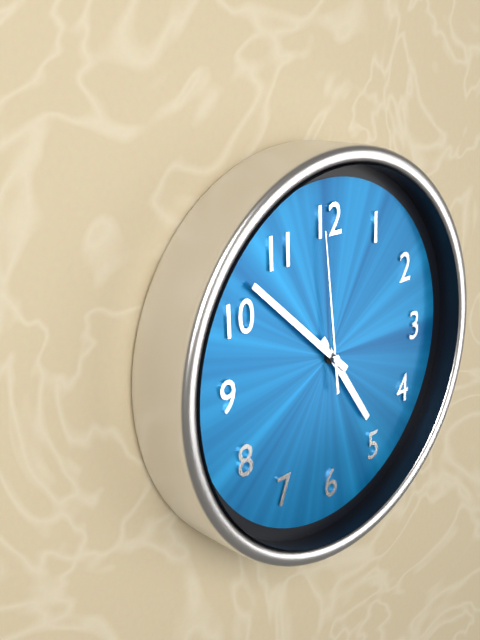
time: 4:52:59
